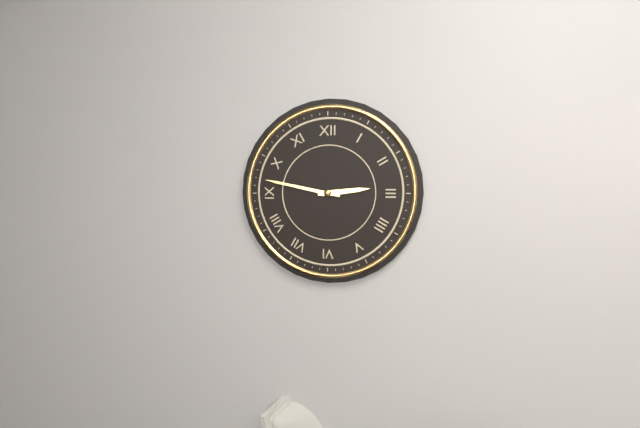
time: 2:47
